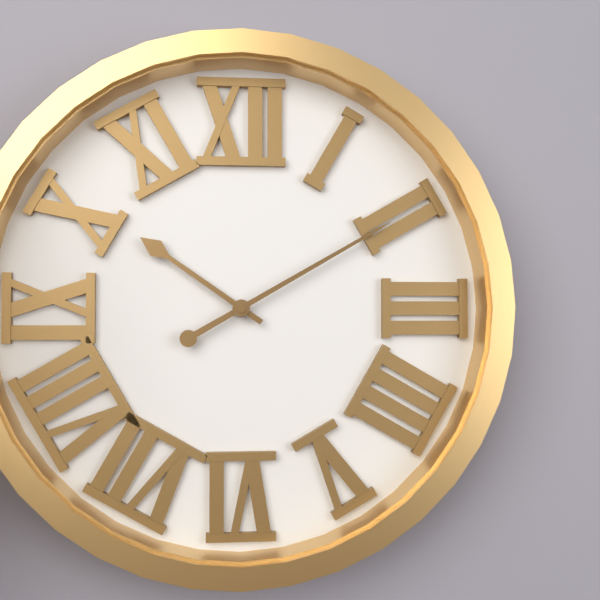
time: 10:10
